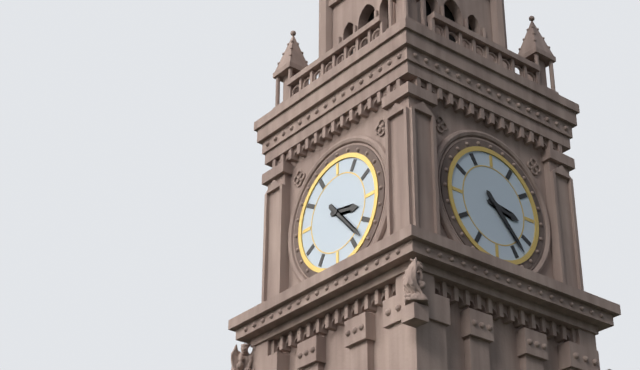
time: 3:23
